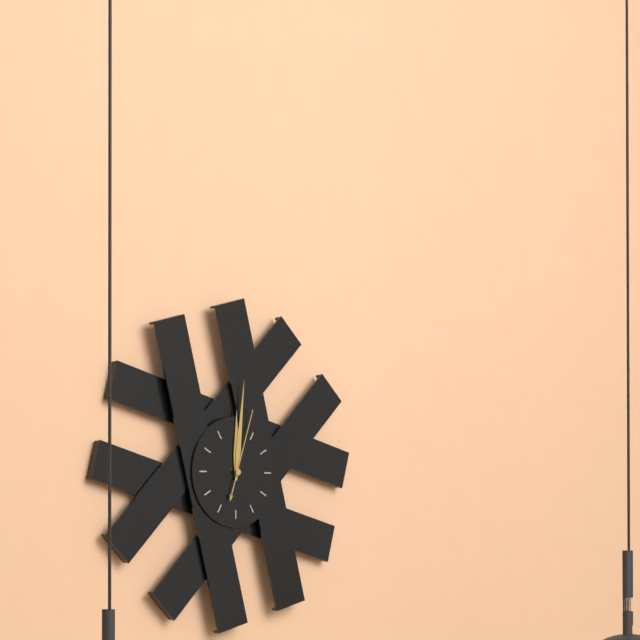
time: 12:01:03
